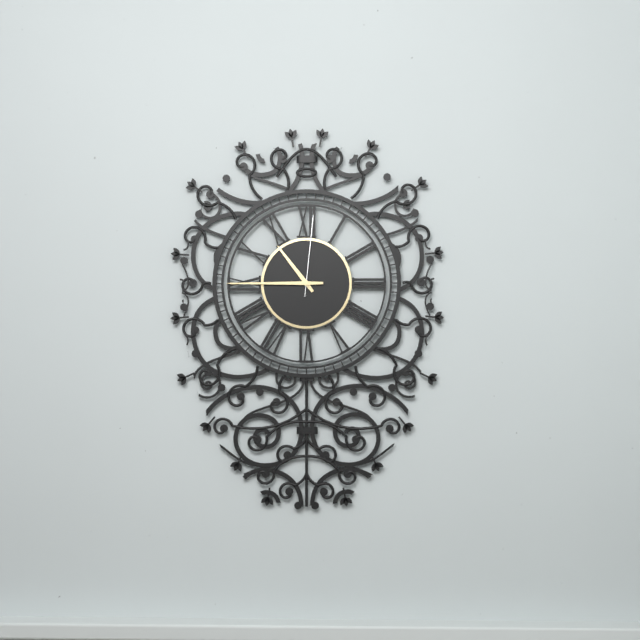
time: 10:45:01
